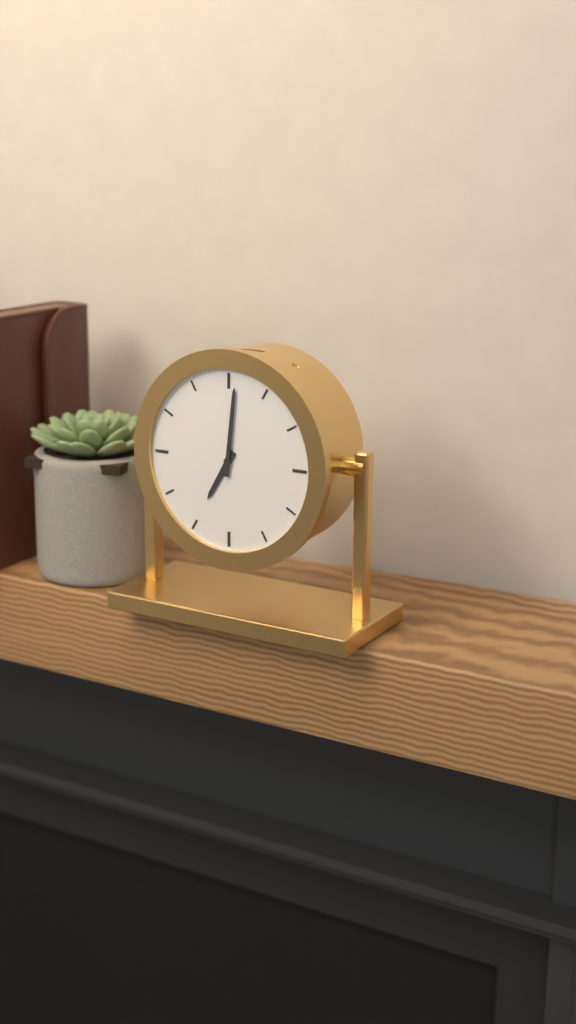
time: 7:01
